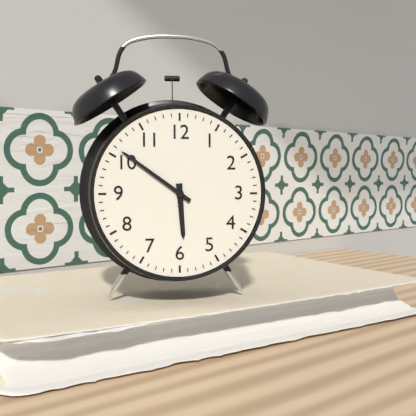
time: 5:51
